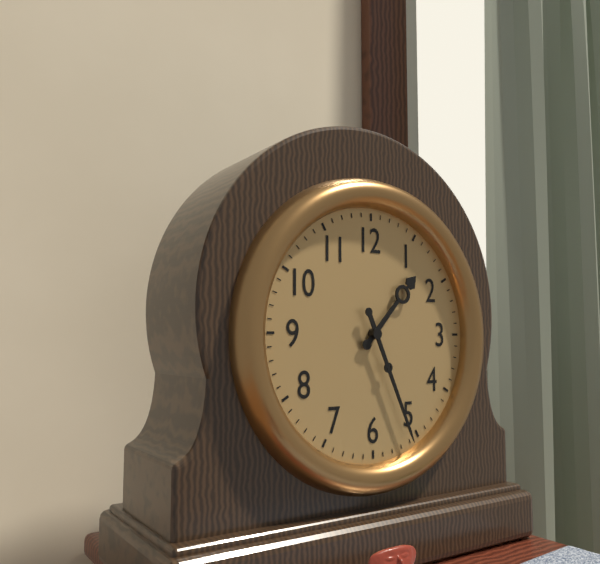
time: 1:26
